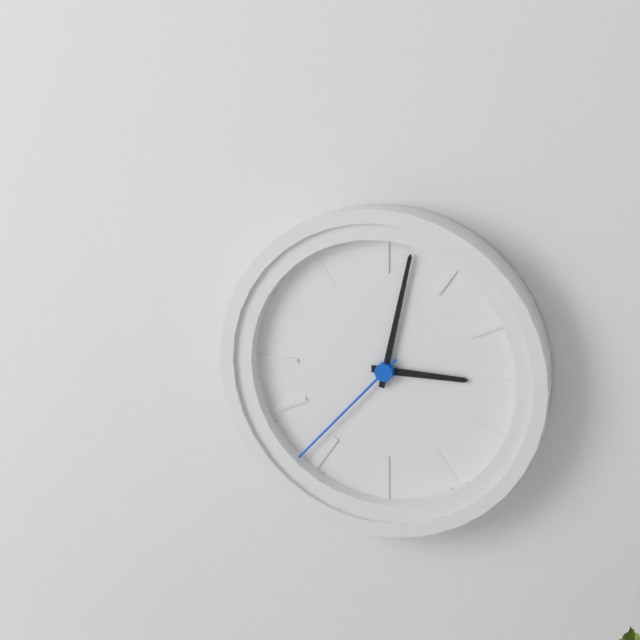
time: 3:02:37
